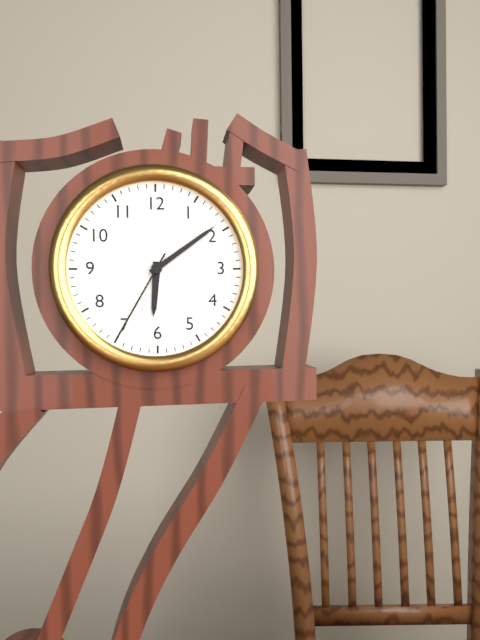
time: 6:09:35
